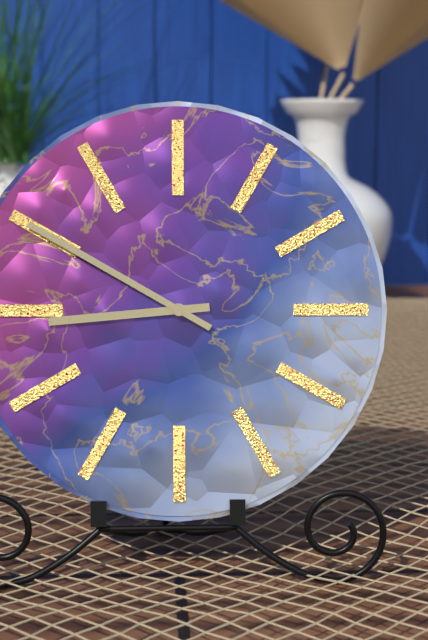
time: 8:50
